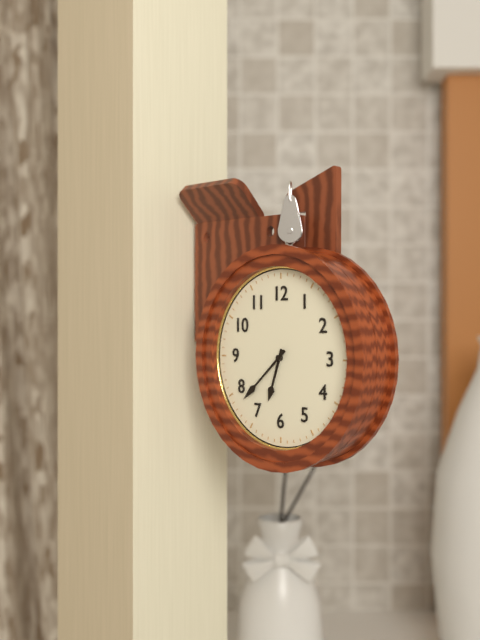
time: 6:38
